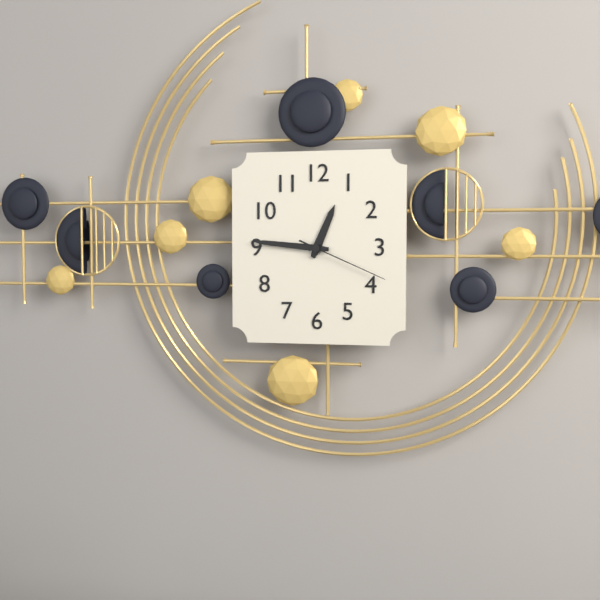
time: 12:46:19
